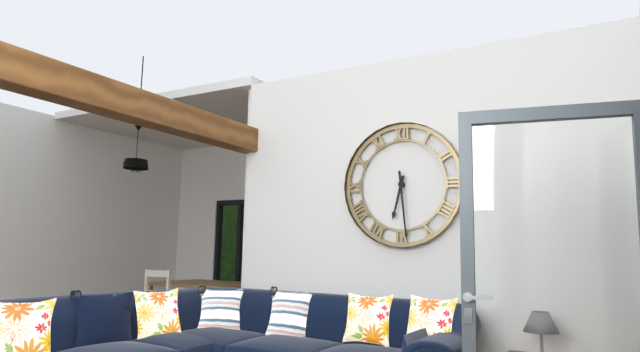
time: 6:29
